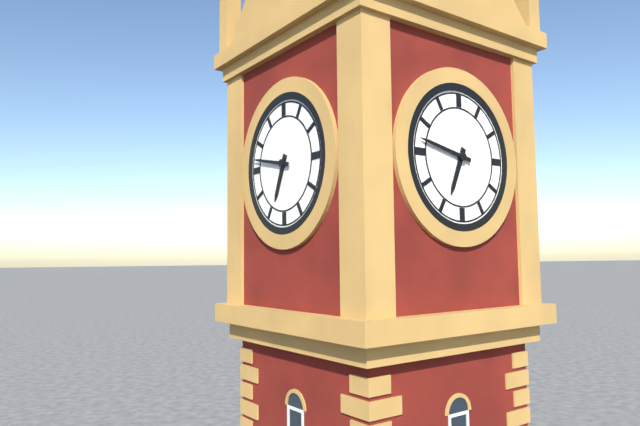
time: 6:47
